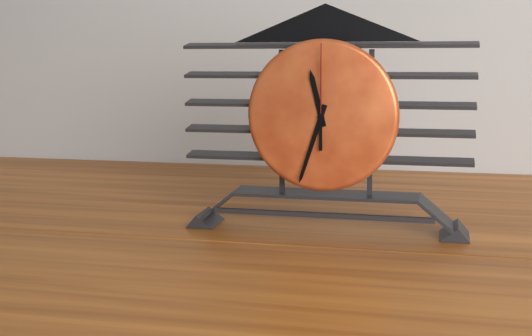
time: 11:33:00
